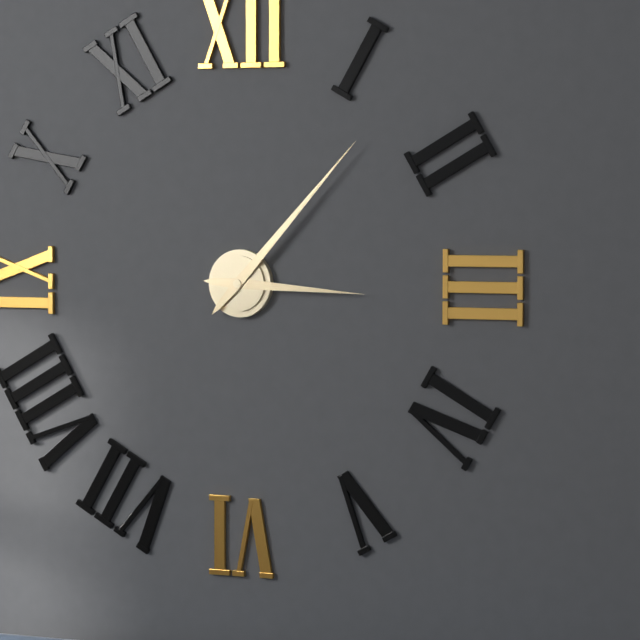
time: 3:07
